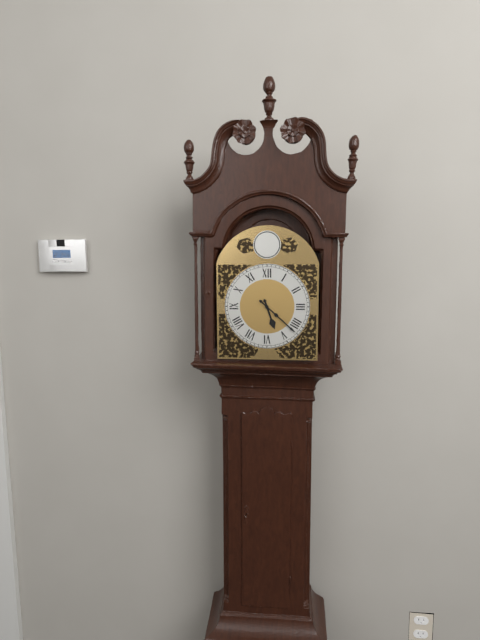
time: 5:22
